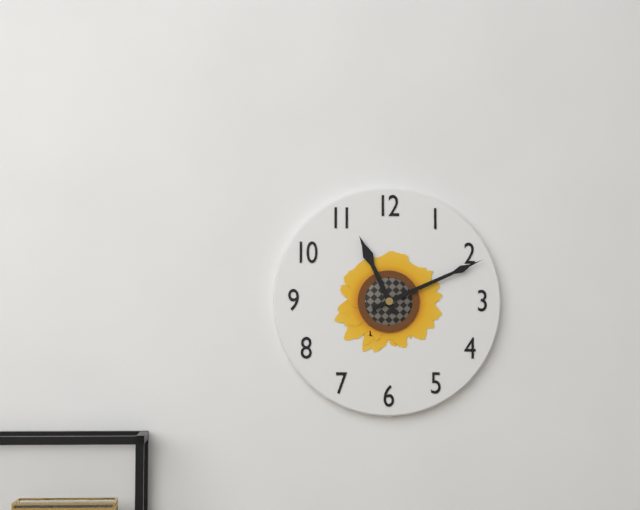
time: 11:11
